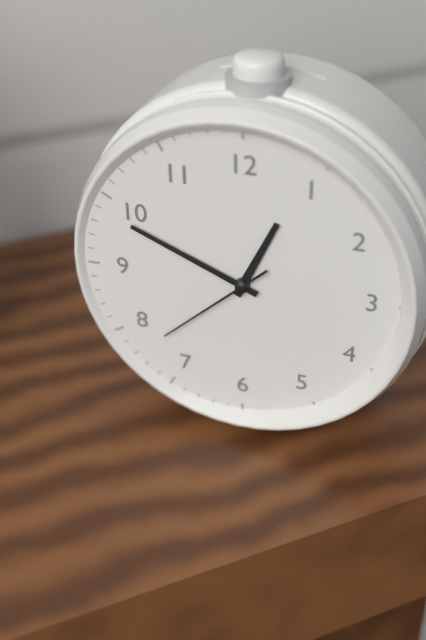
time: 12:49:38
